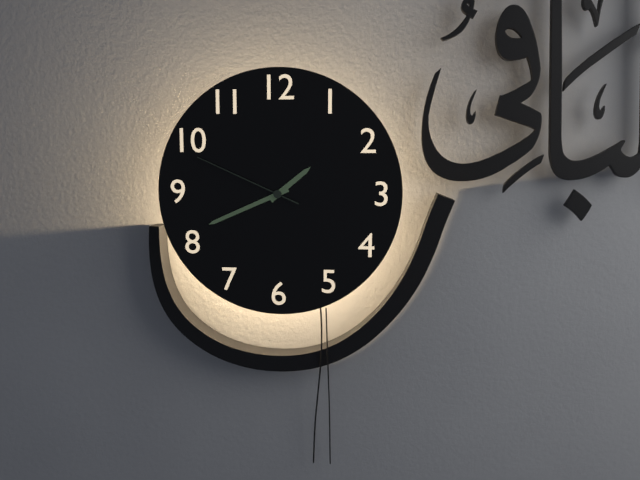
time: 1:41:49
